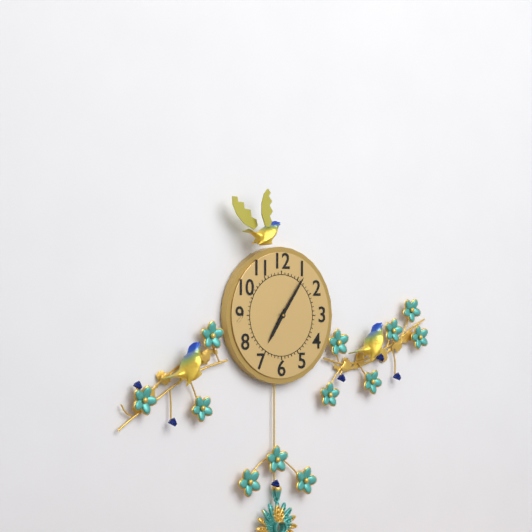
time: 7:06
